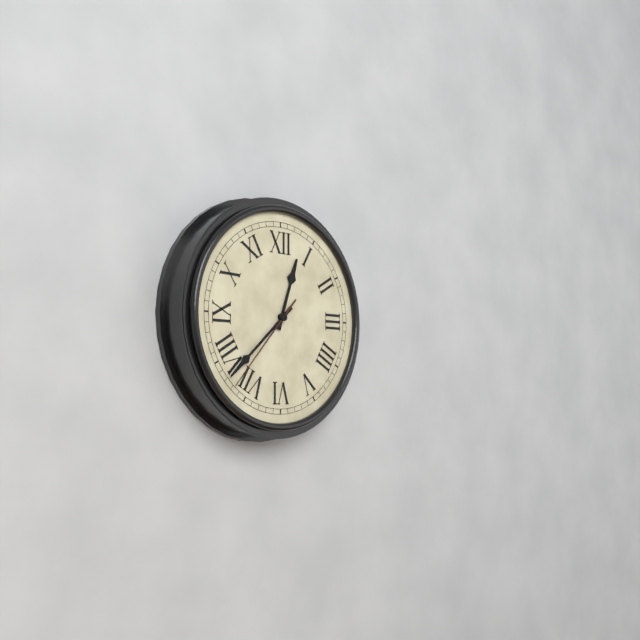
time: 12:38:37
